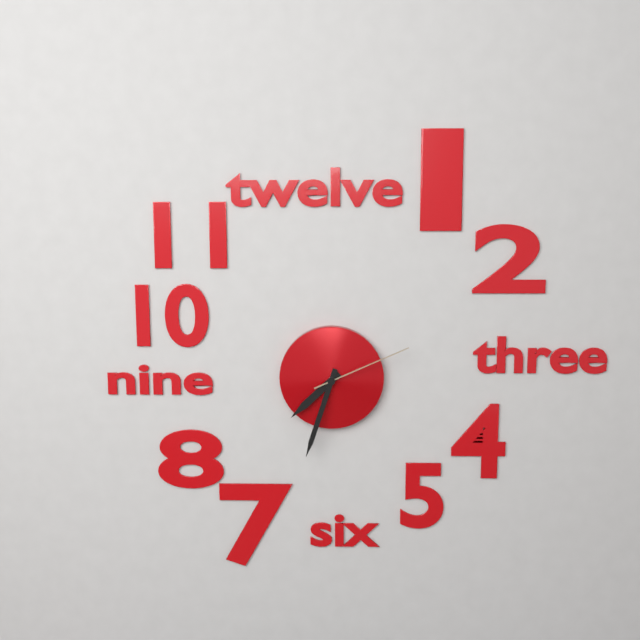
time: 7:33:11
